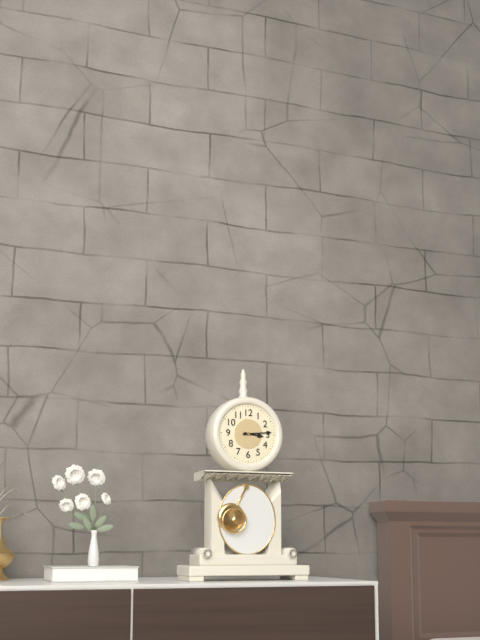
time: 3:14
